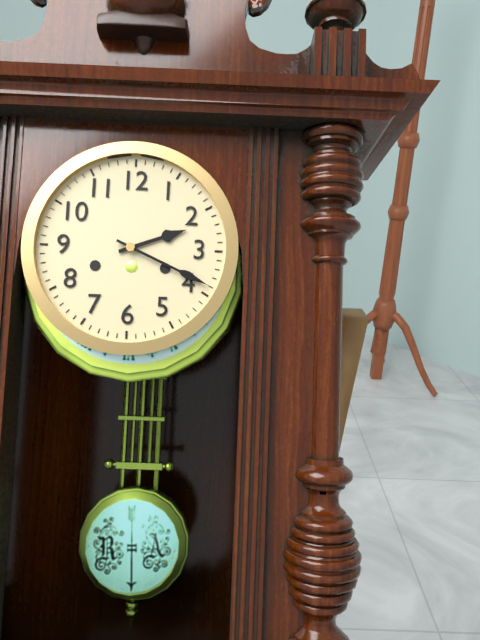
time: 2:19
